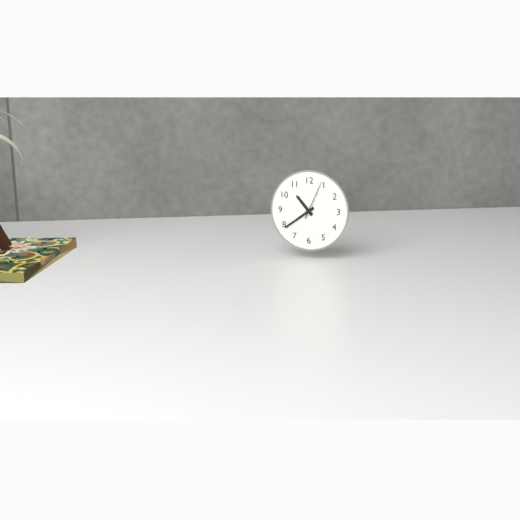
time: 10:39
